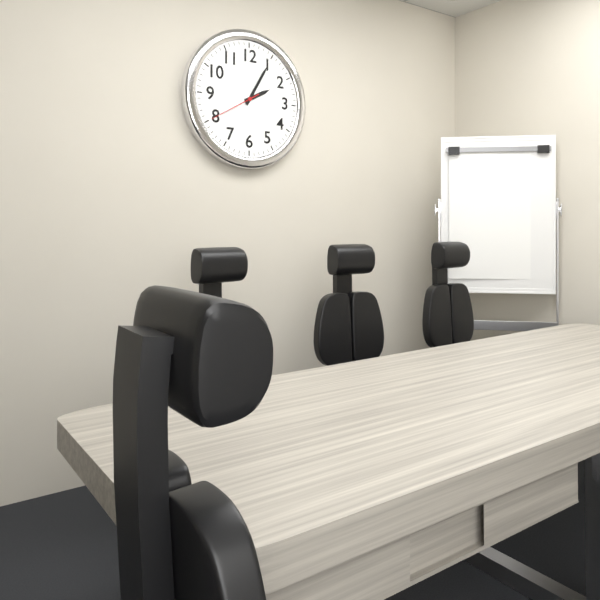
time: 2:05:40
